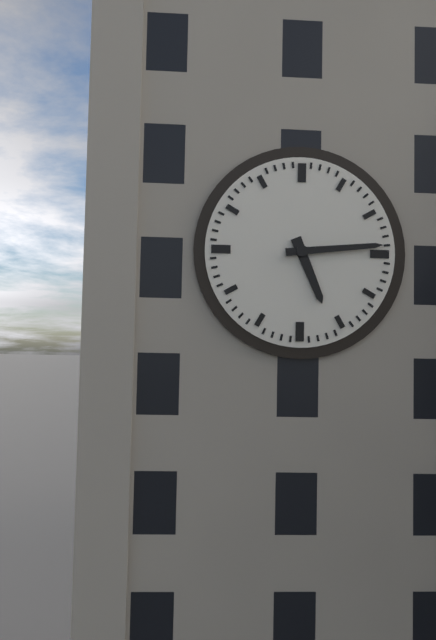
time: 5:14
